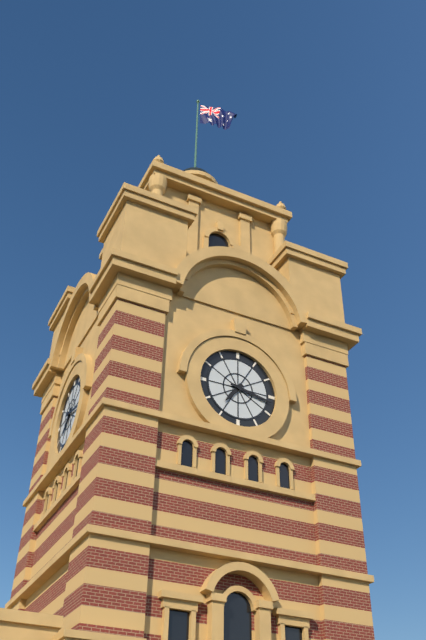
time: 7:17
